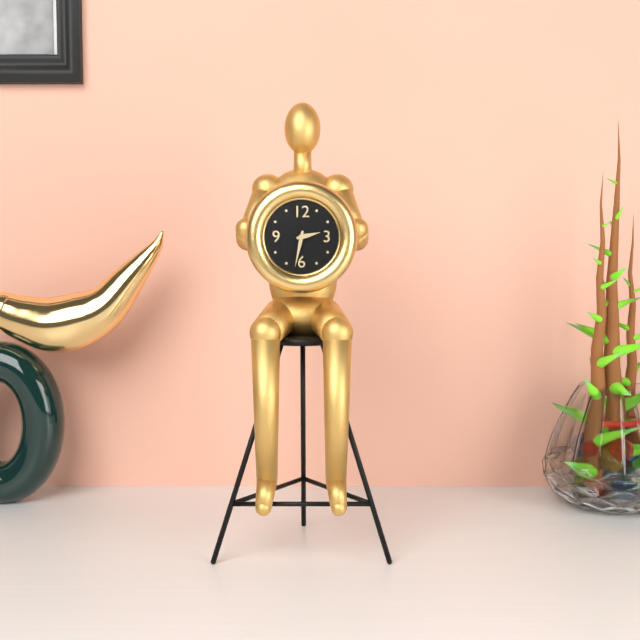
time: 2:32
